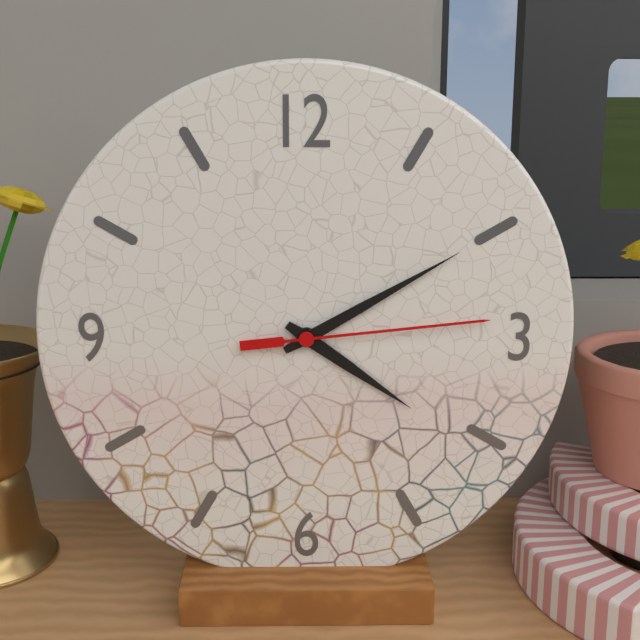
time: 4:10:14
